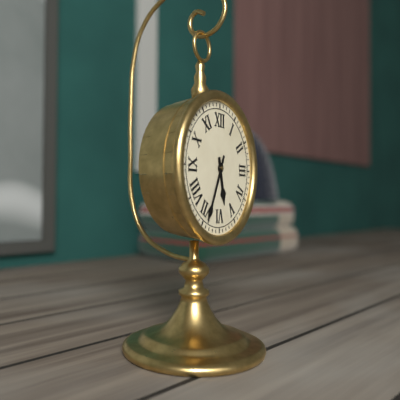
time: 5:34
